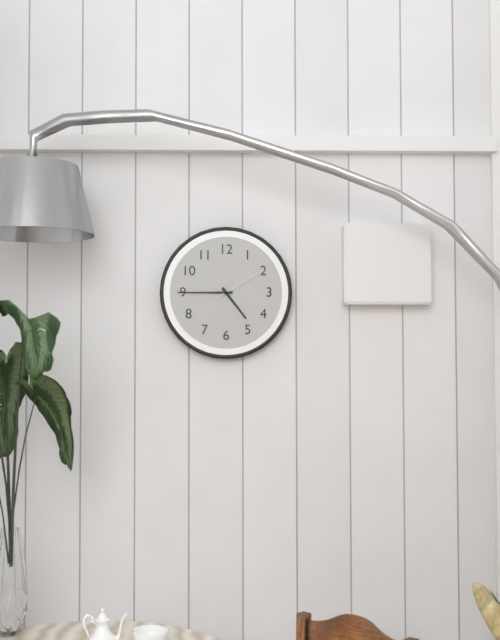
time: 4:45:10
